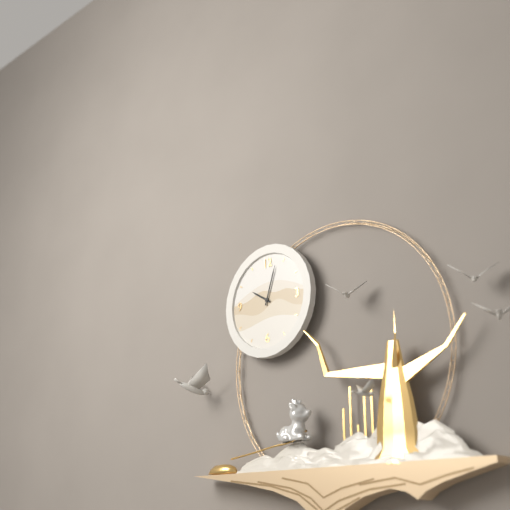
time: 10:03
